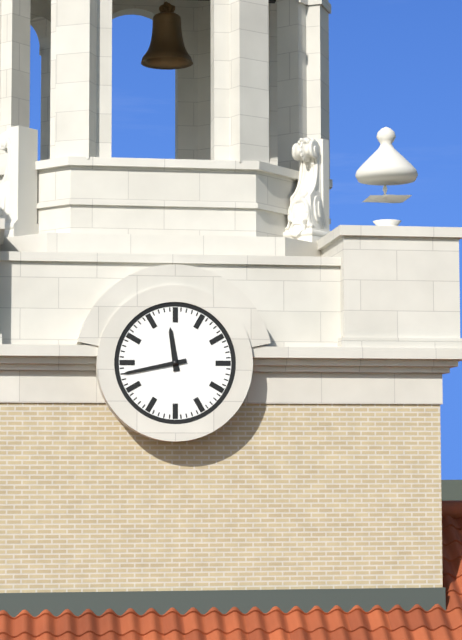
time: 11:43
